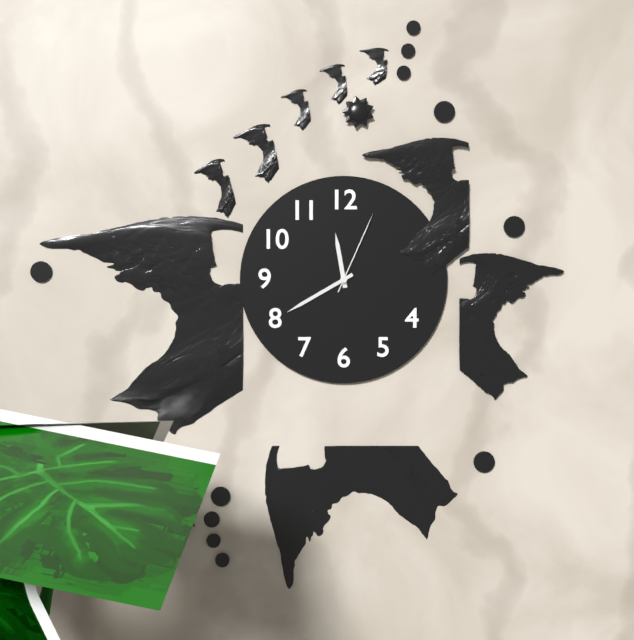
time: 11:40:04
